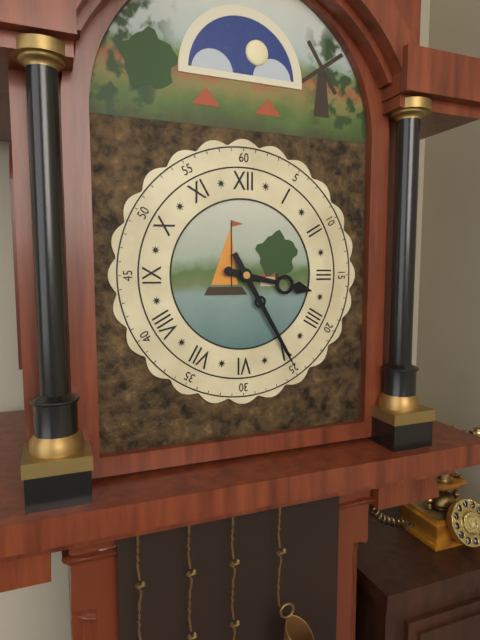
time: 3:25
